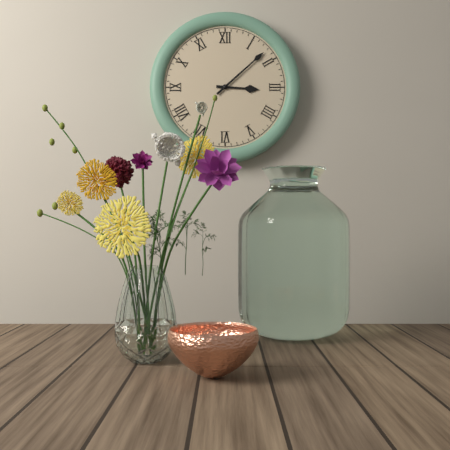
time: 3:08
